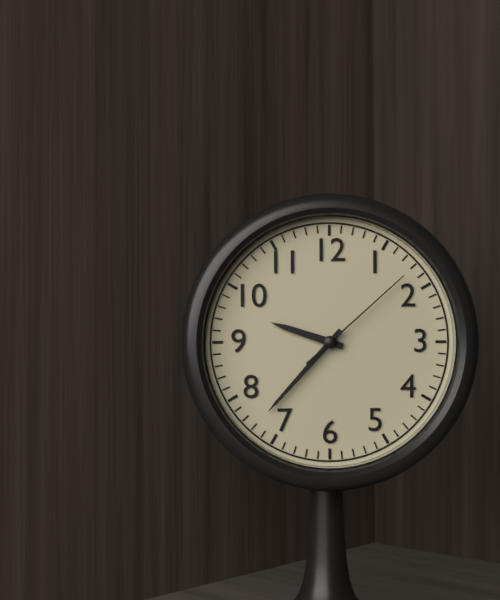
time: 9:37:08
